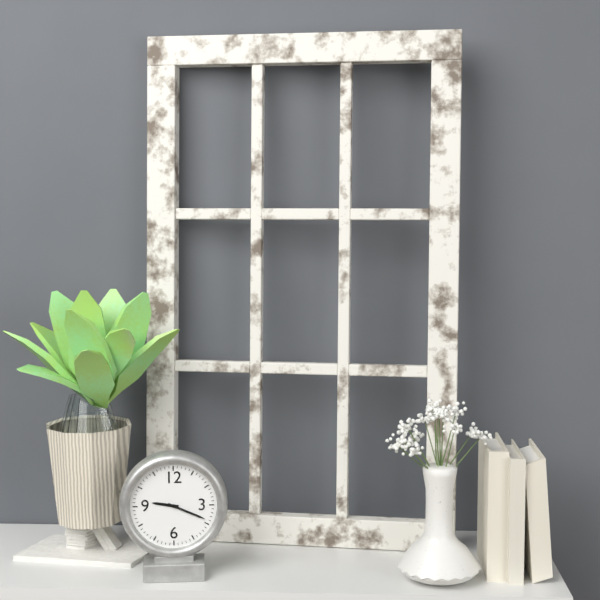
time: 9:19
